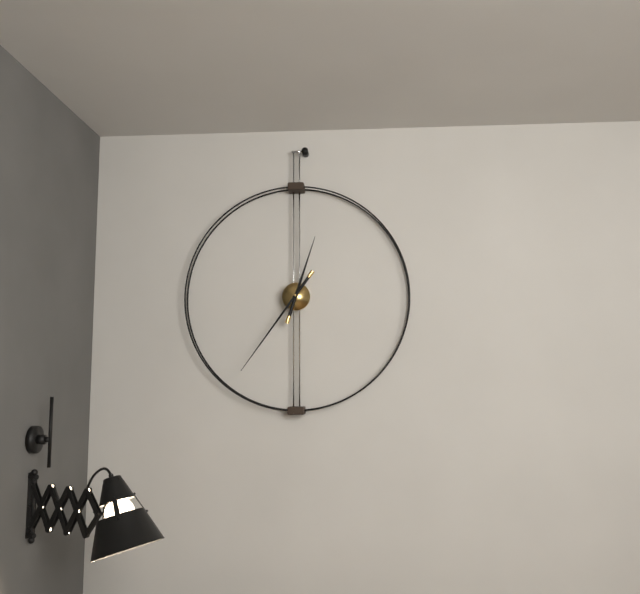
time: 12:36
